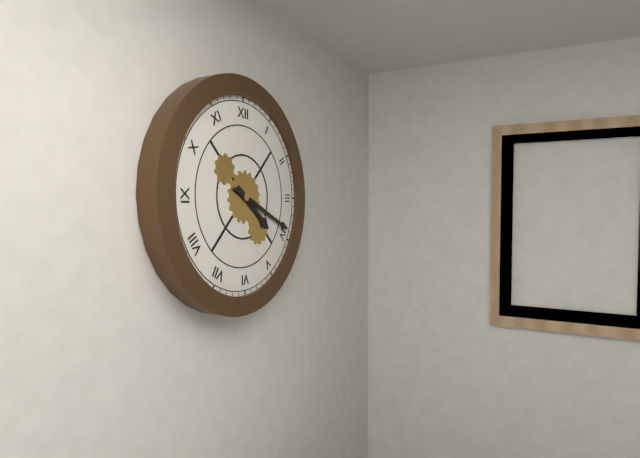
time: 4:19
